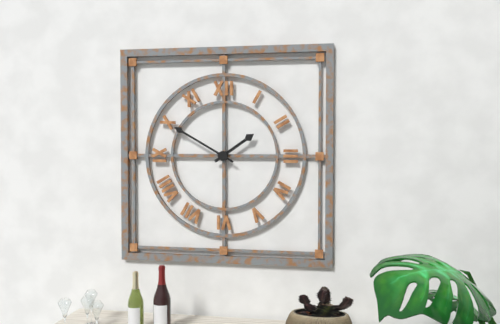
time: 1:50
